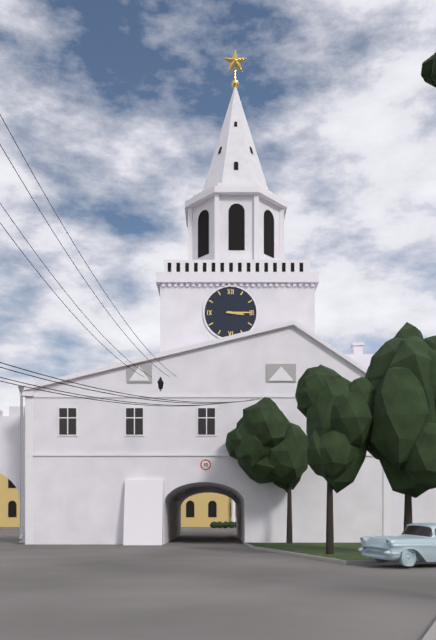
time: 3:15
